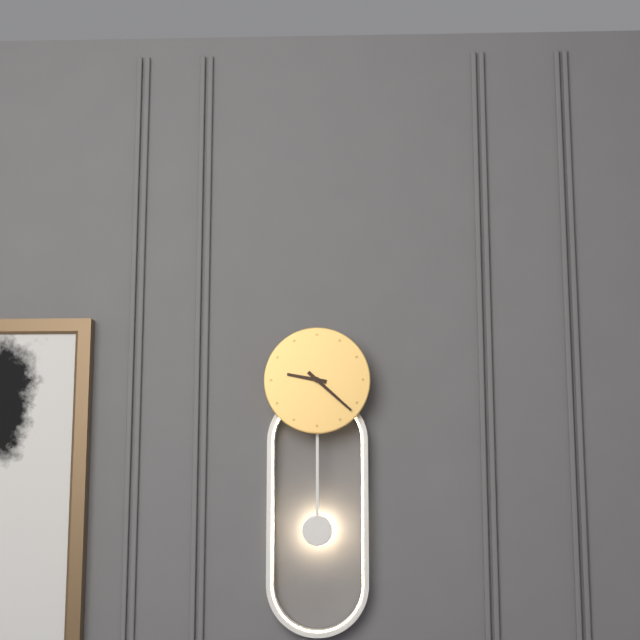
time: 9:22
